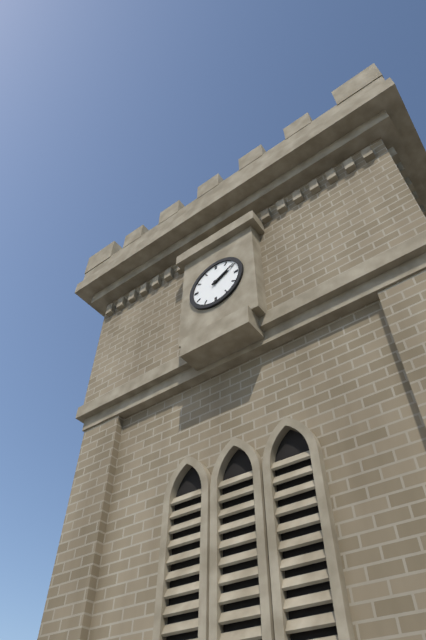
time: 2:10
